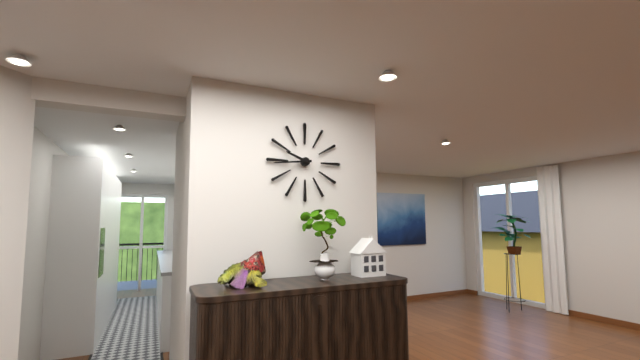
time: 9:44
